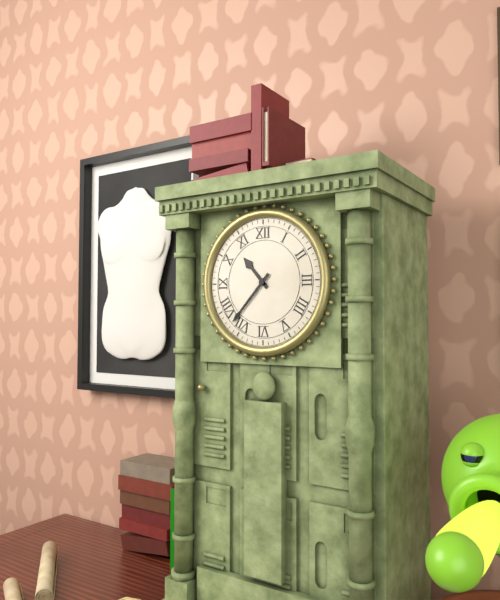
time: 10:37
